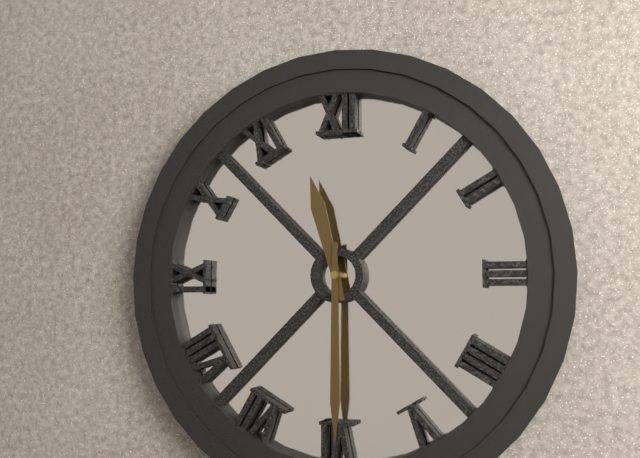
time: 11:30
